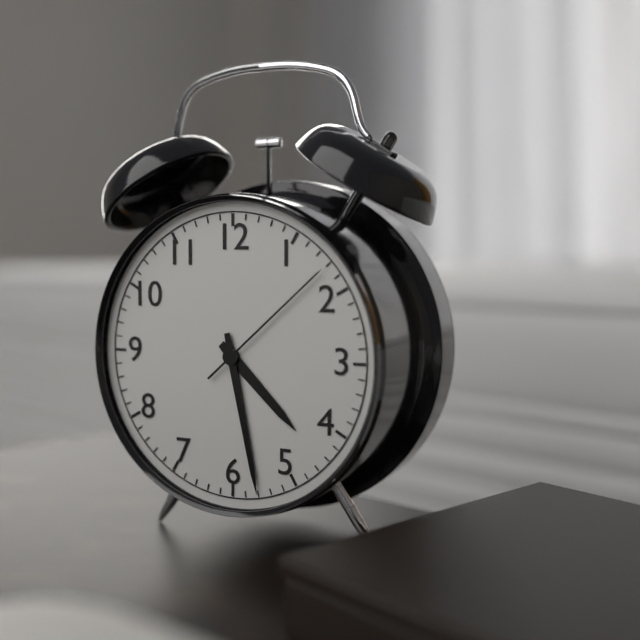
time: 4:28:08
